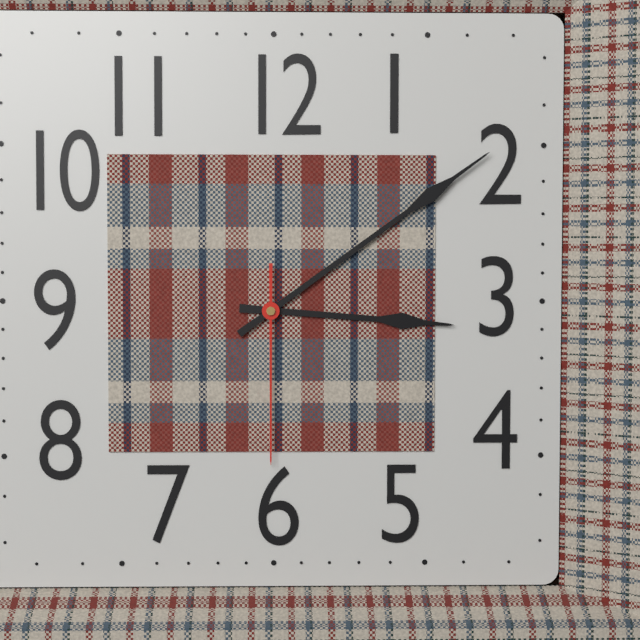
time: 3:09:30
